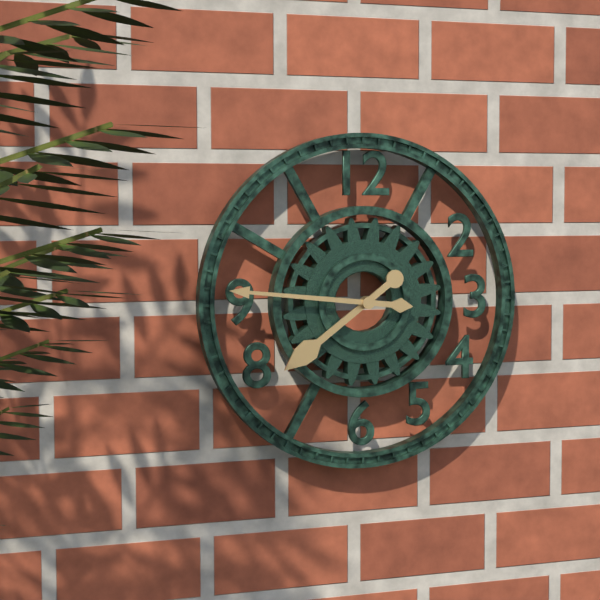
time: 7:46
